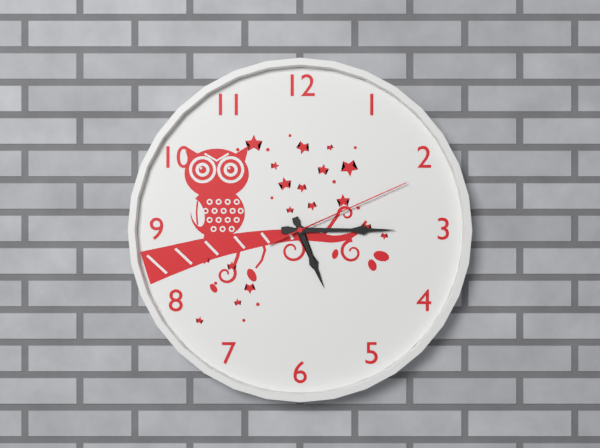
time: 5:15:11
